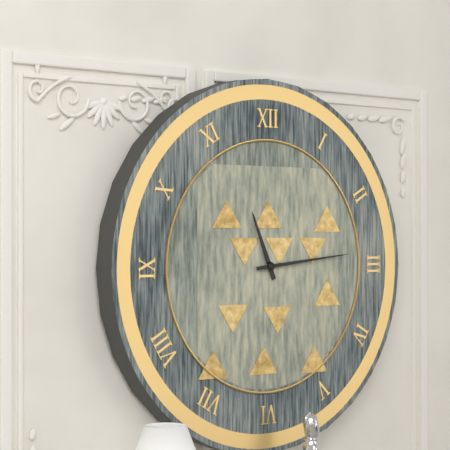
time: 11:14
